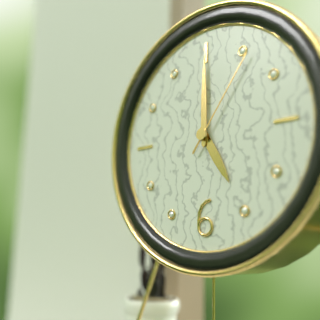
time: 5:00:06
